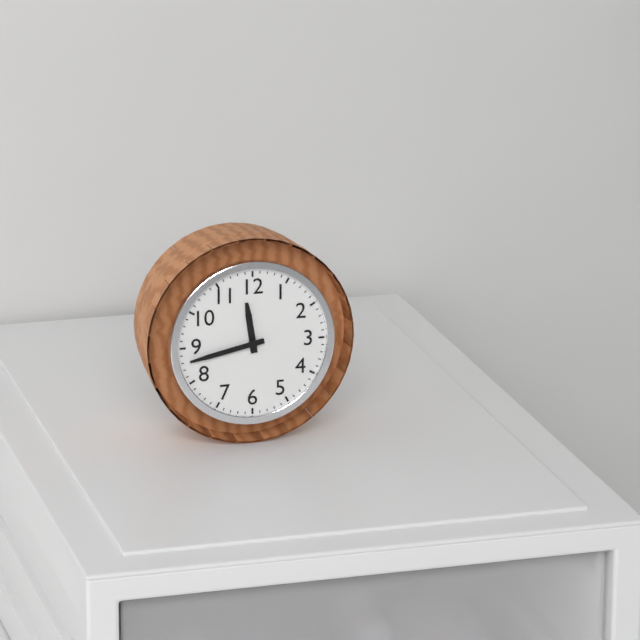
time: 11:43
